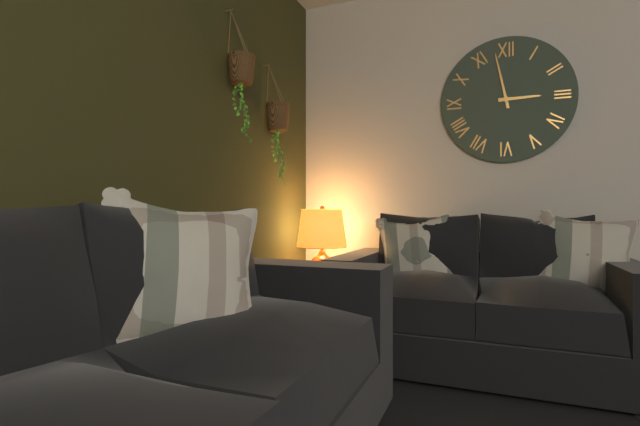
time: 2:58
